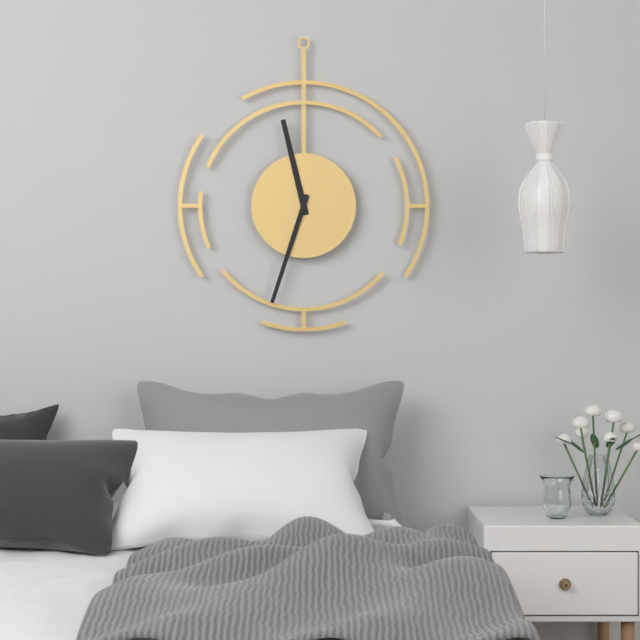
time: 11:33
